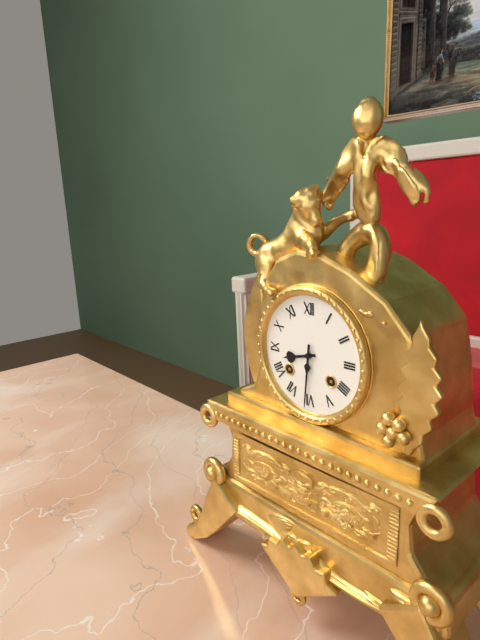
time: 8:31
